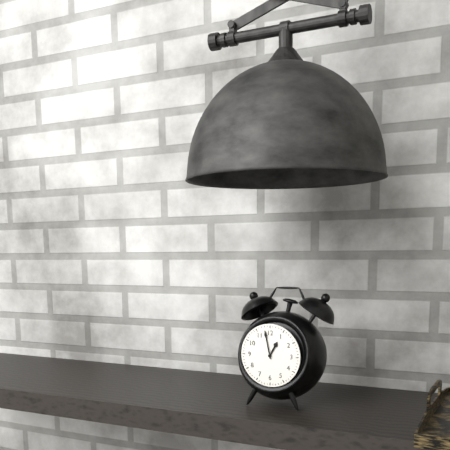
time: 12:58
